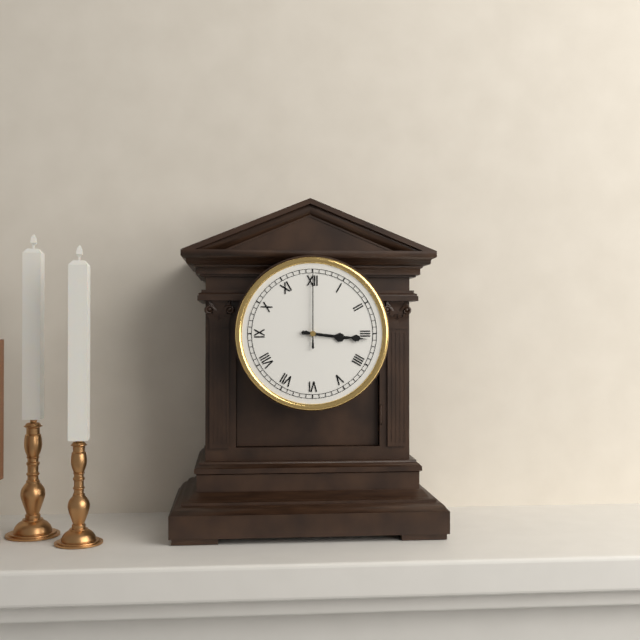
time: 3:16:00
